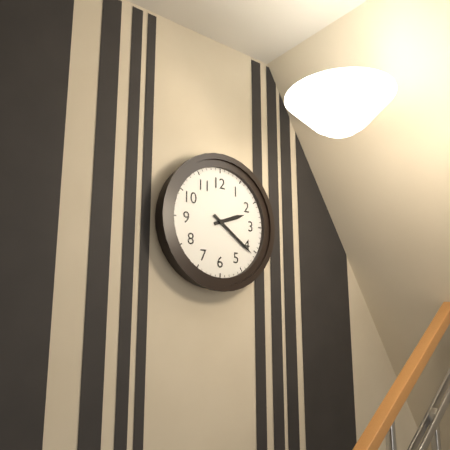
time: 2:21
